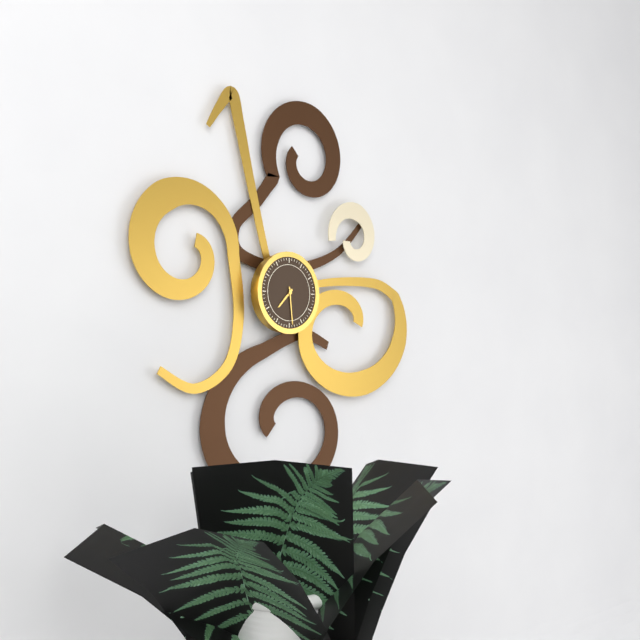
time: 7:29
